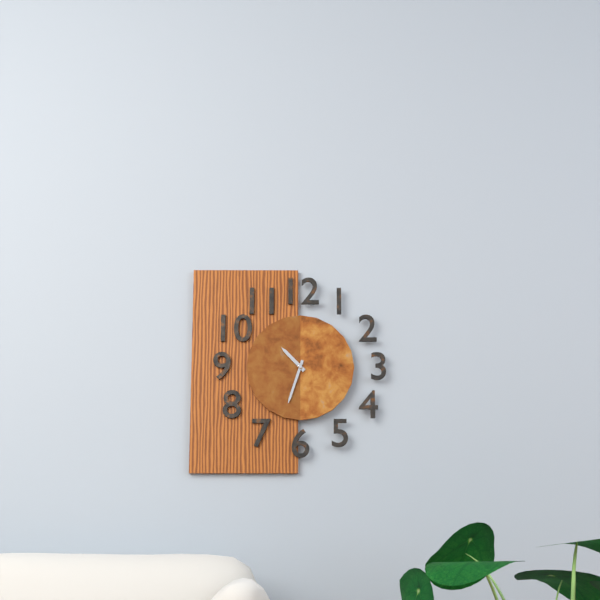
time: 10:33
